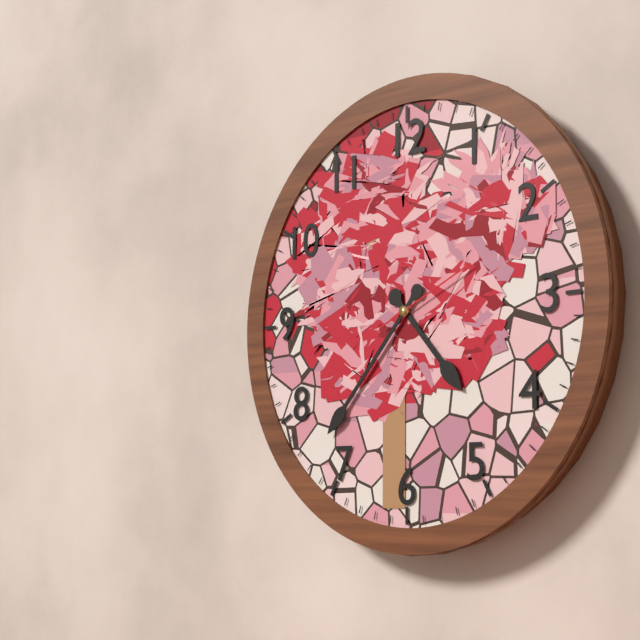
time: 4:37:11
